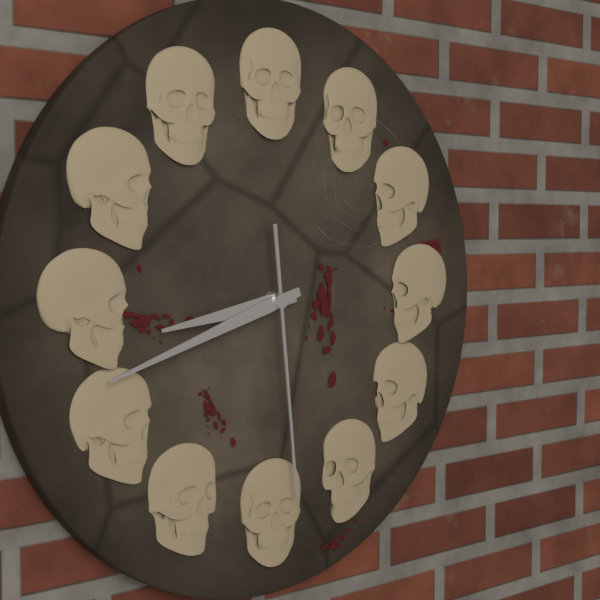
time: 8:42:29
